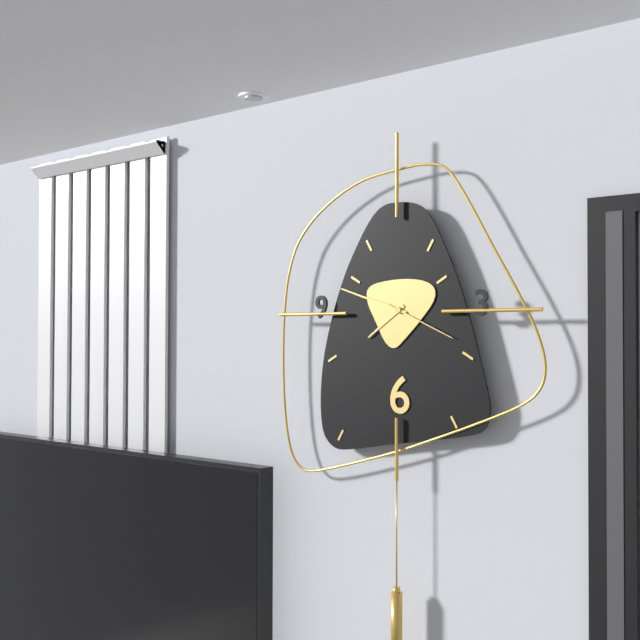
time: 7:48:19
